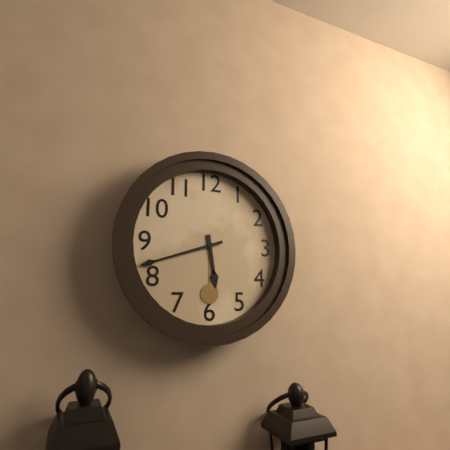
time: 5:42
